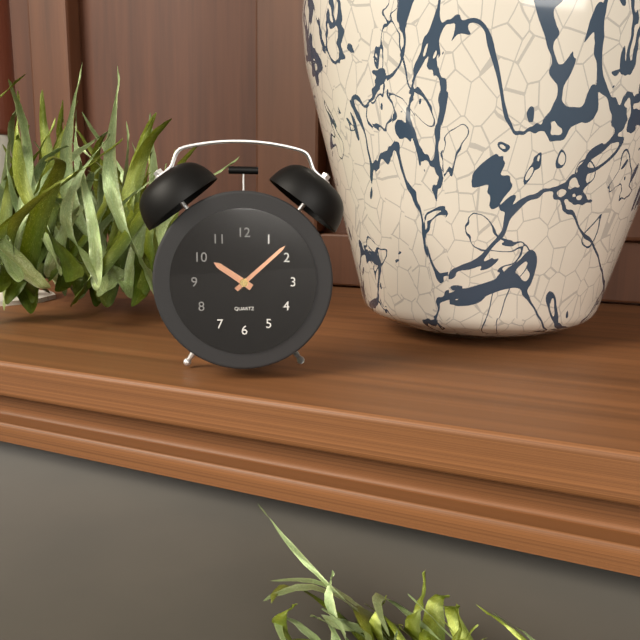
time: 10:08
